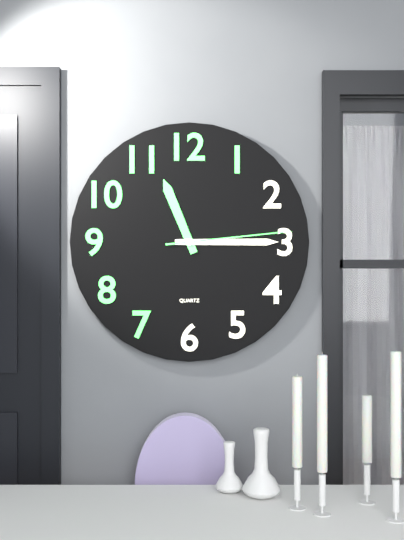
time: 11:15:14
